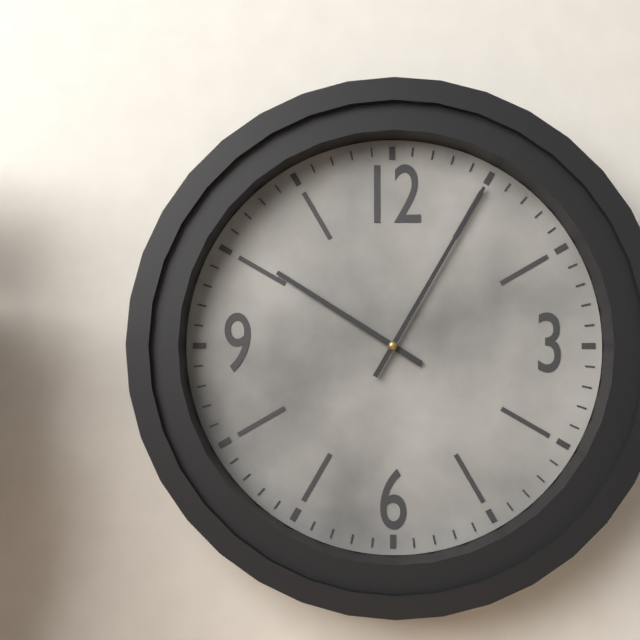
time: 10:05
